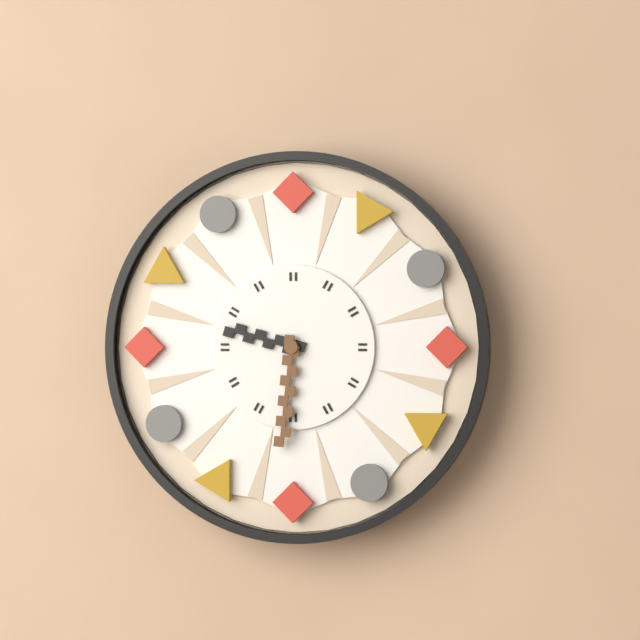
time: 9:31
